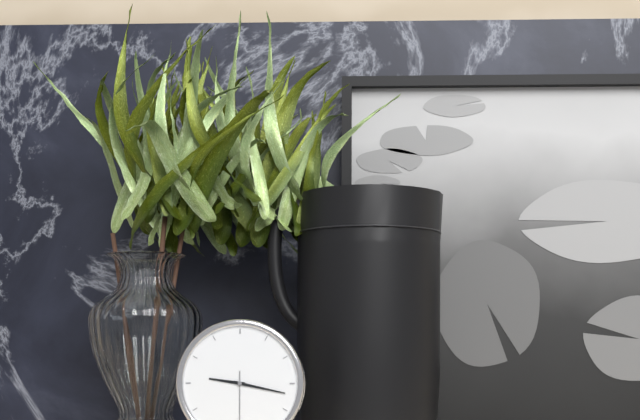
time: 9:17
